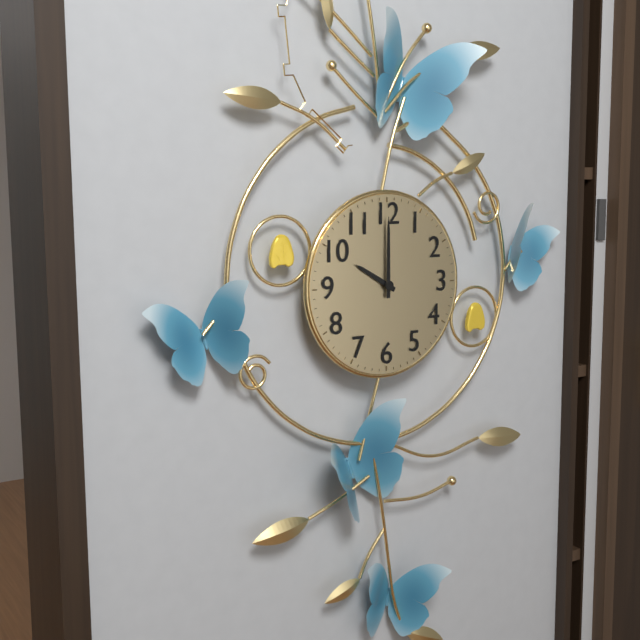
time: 10:00
